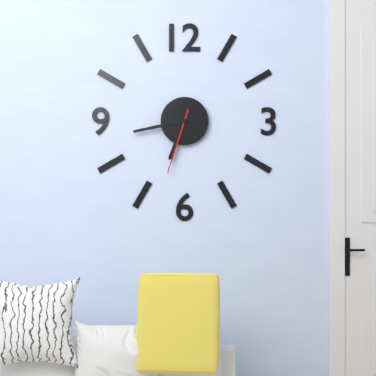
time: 6:43:33
